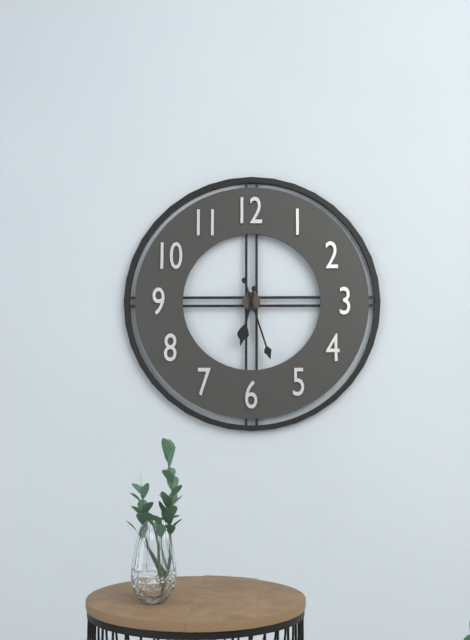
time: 6:27
